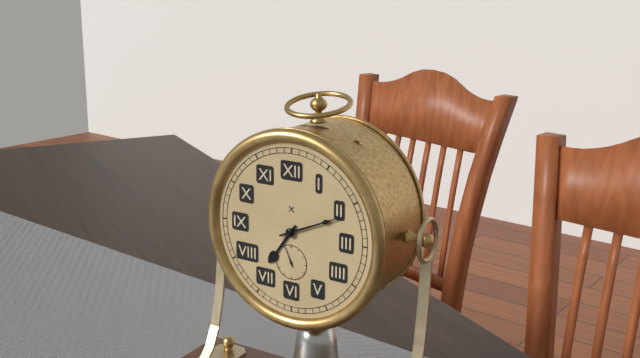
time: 7:11
